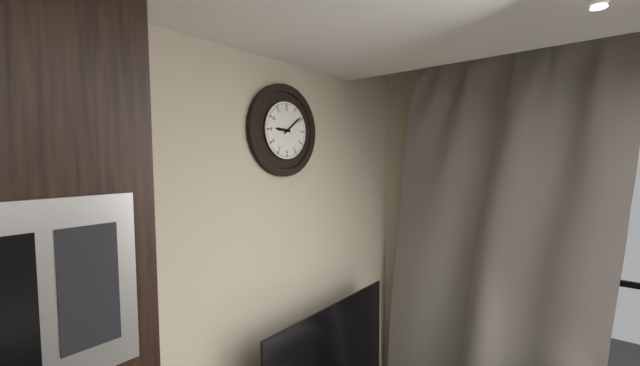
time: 9:09
